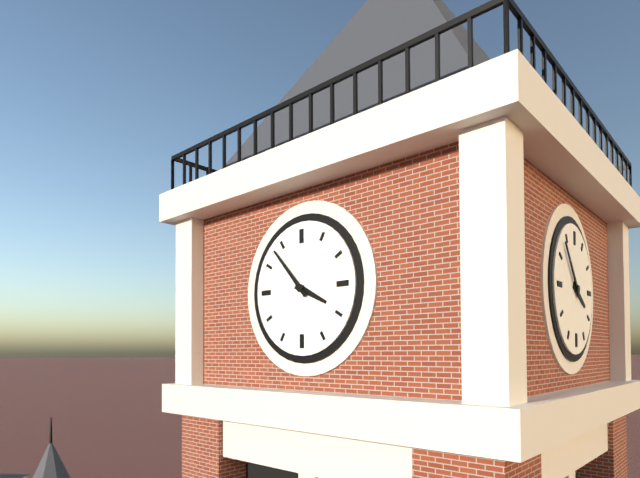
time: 3:53
